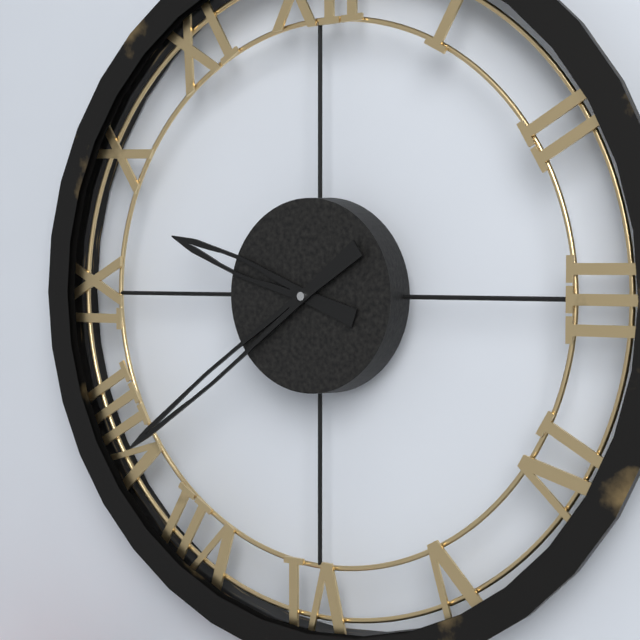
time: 9:39
